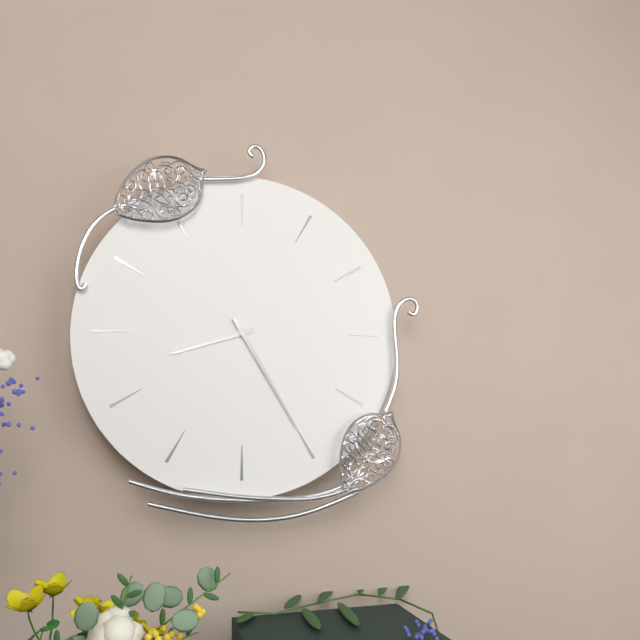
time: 8:25
